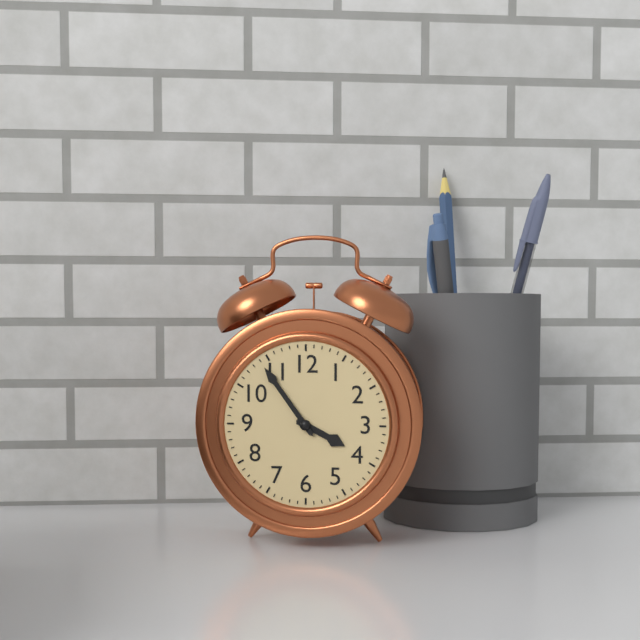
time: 3:54
